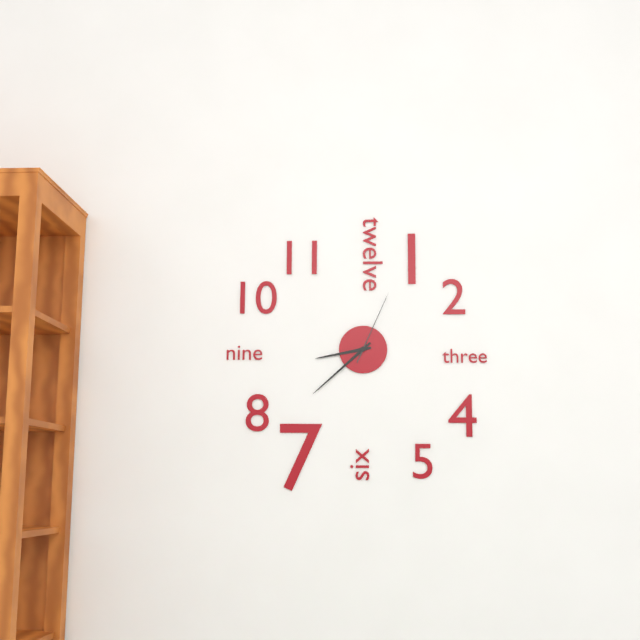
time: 8:38:04
